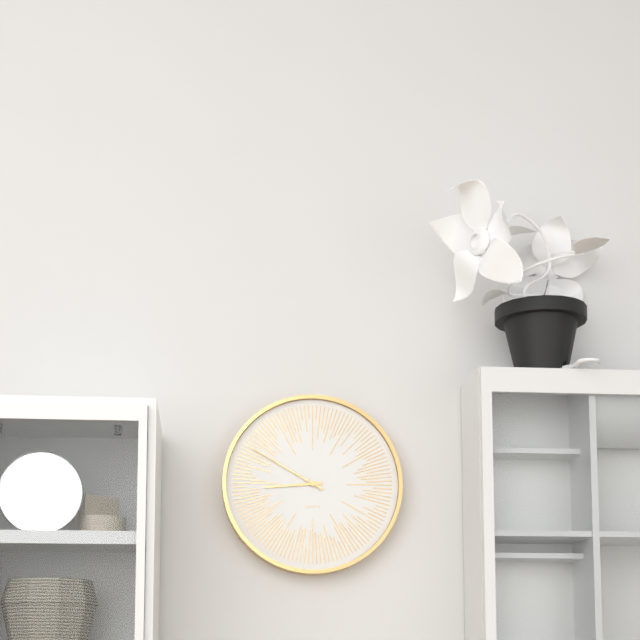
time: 8:50
